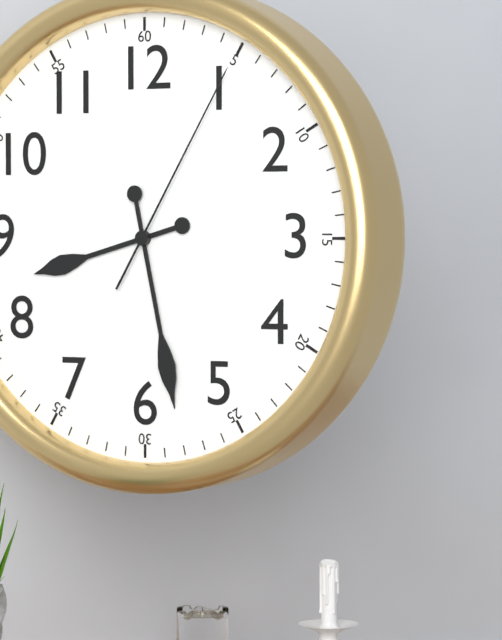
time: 8:28:05
